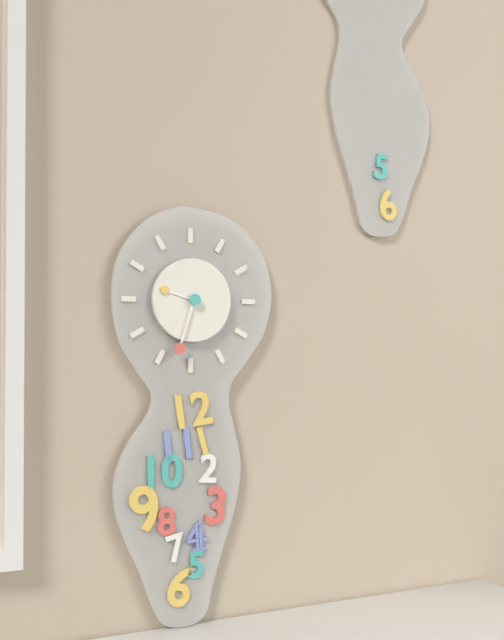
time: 9:33
